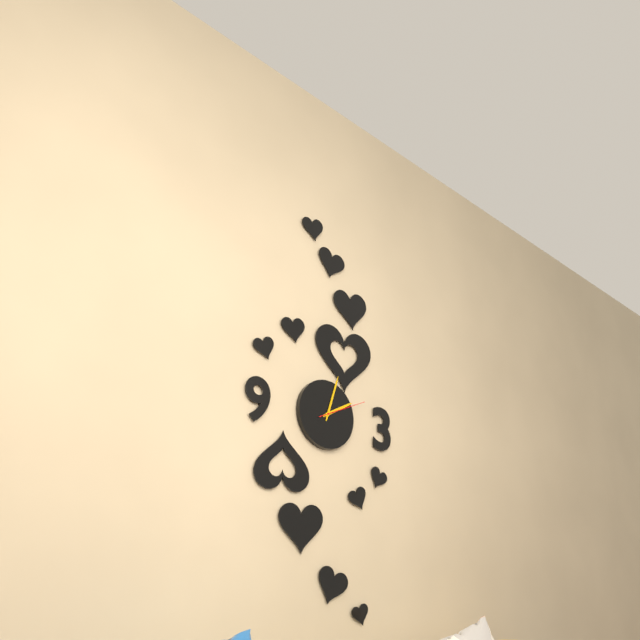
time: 2:03:11
